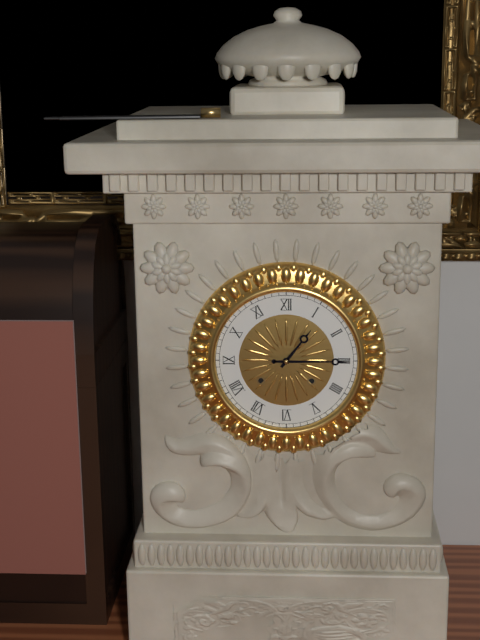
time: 1:15
